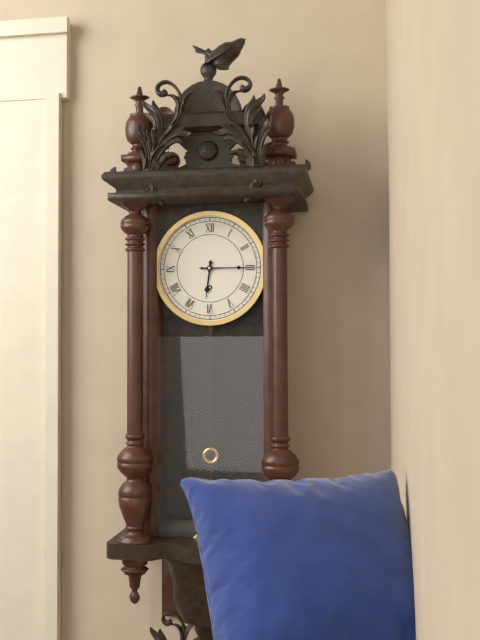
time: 6:15
